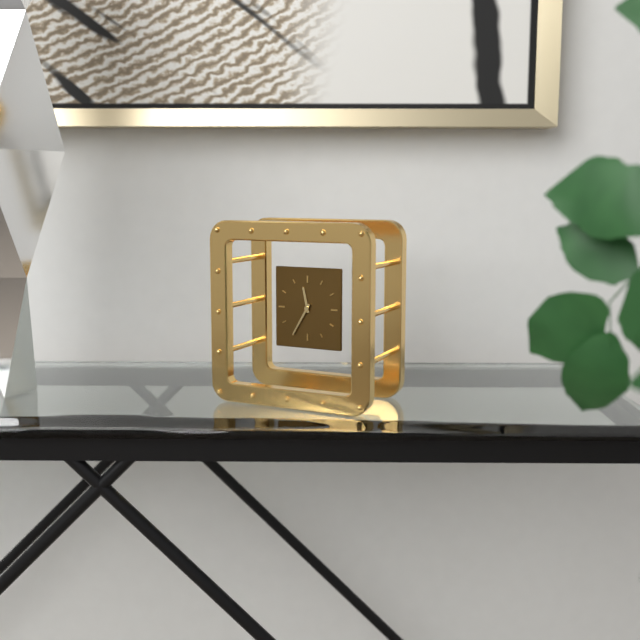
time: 11:35
